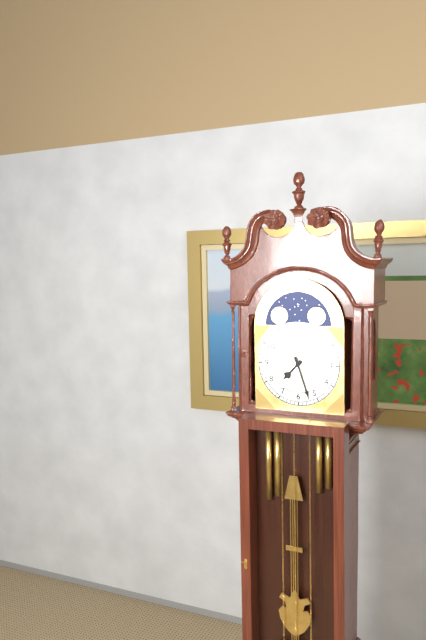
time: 7:27
